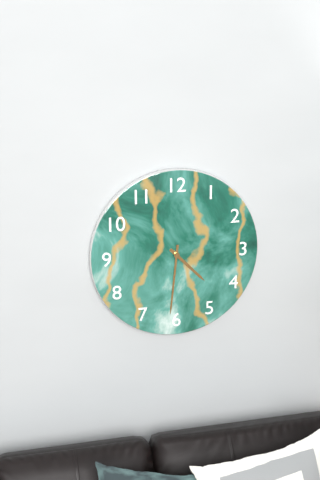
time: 4:31
